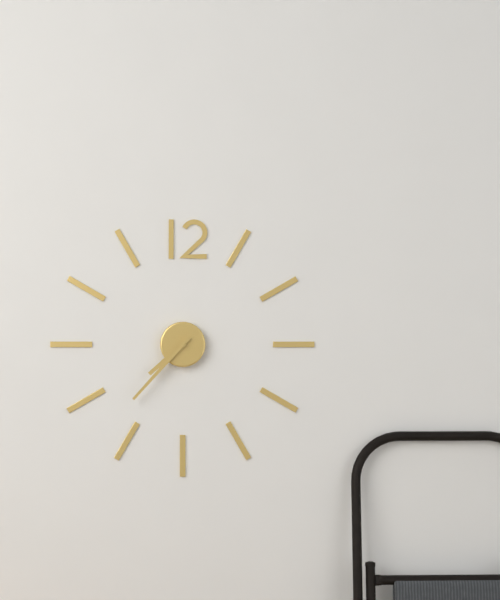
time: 7:37
